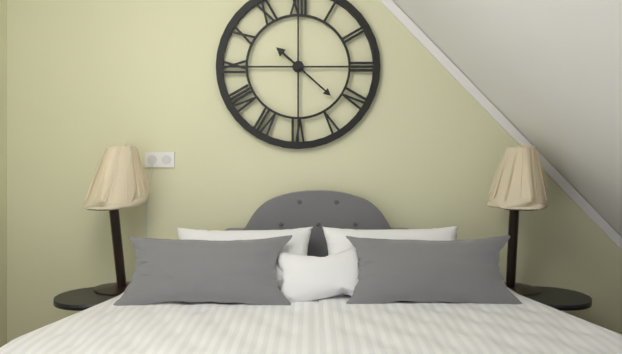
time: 10:22
